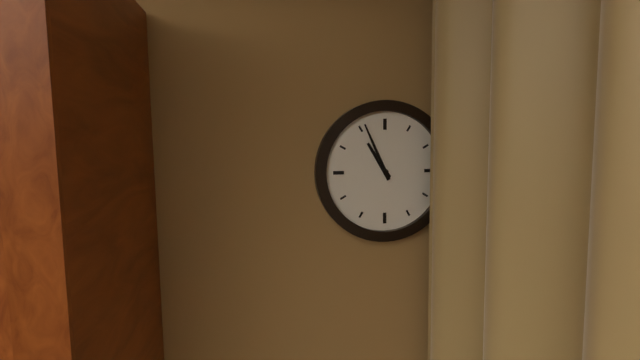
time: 10:56
